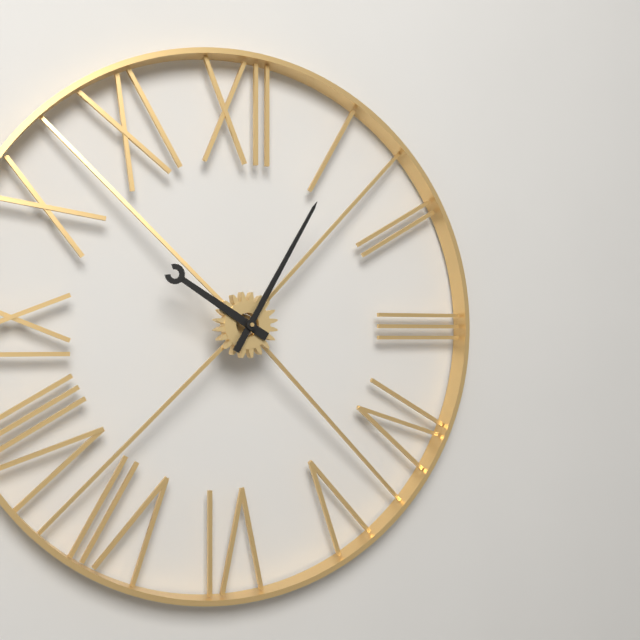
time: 10:05
